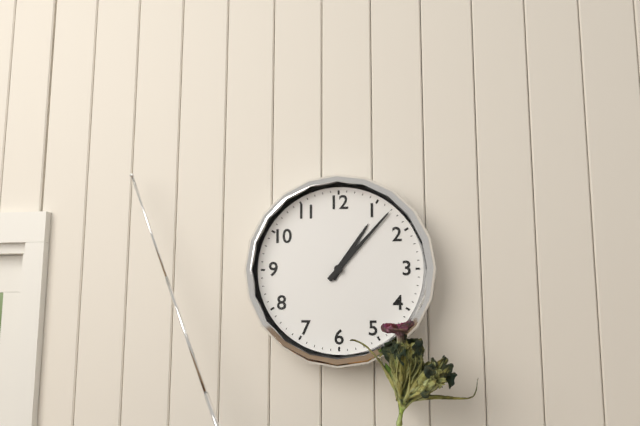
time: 1:07
